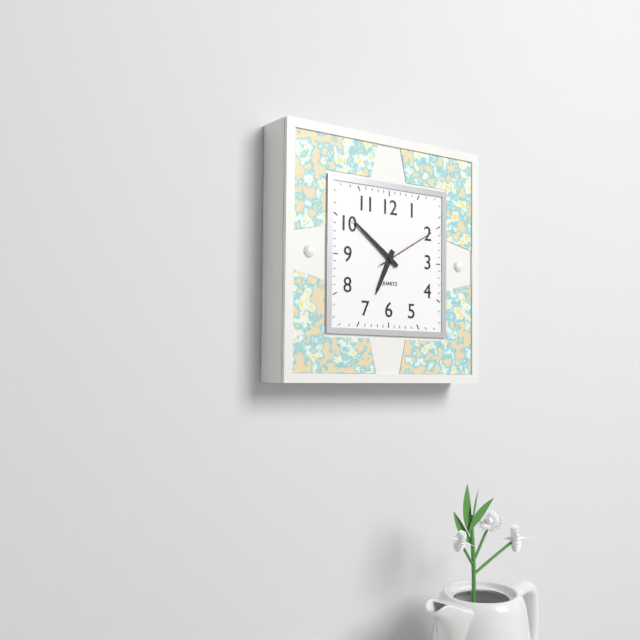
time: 6:51:10
